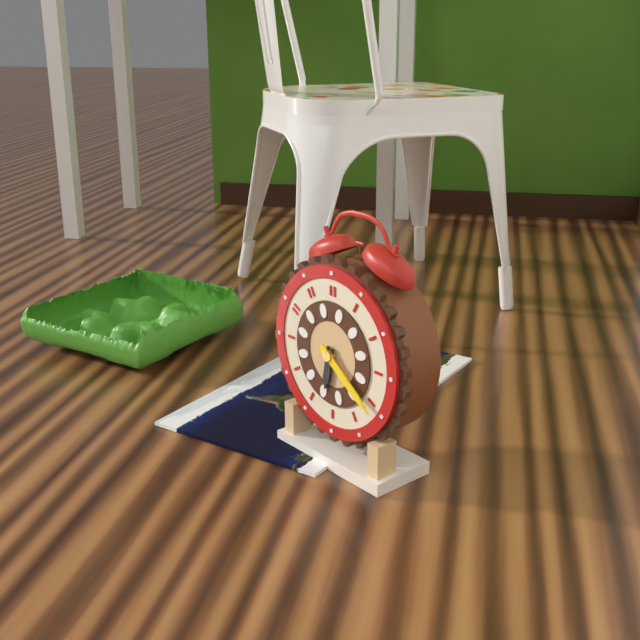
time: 6:21
